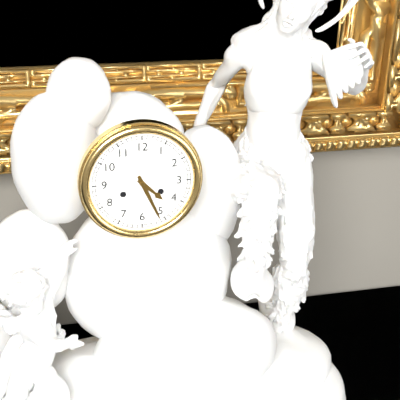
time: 4:26
